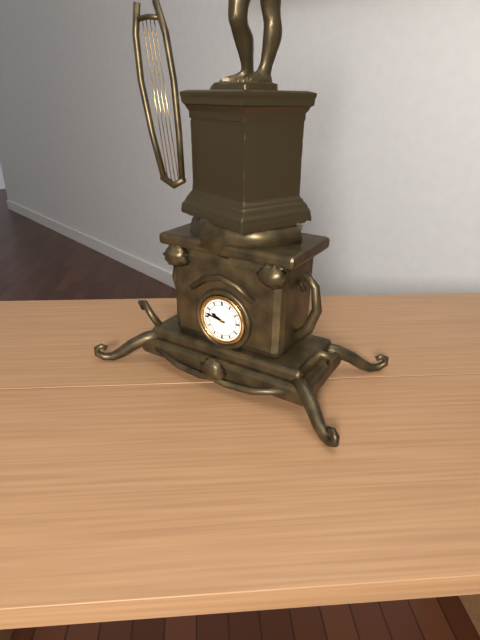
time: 9:47
